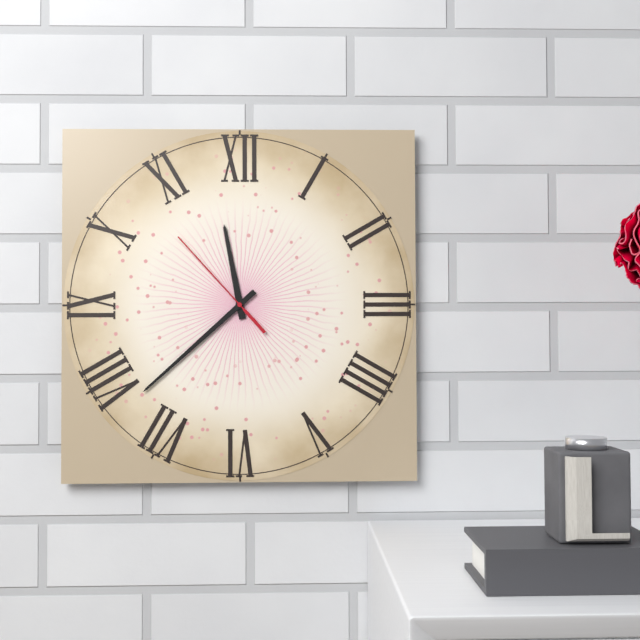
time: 11:38:53
